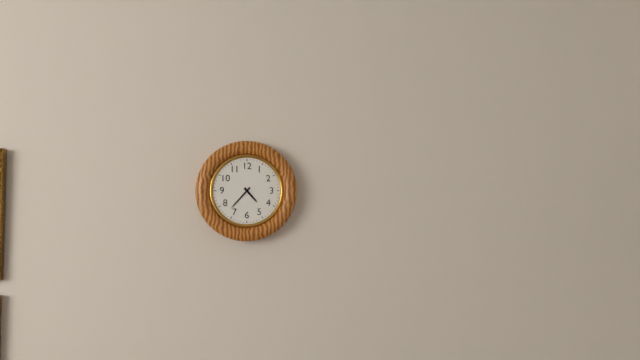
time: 4:37
